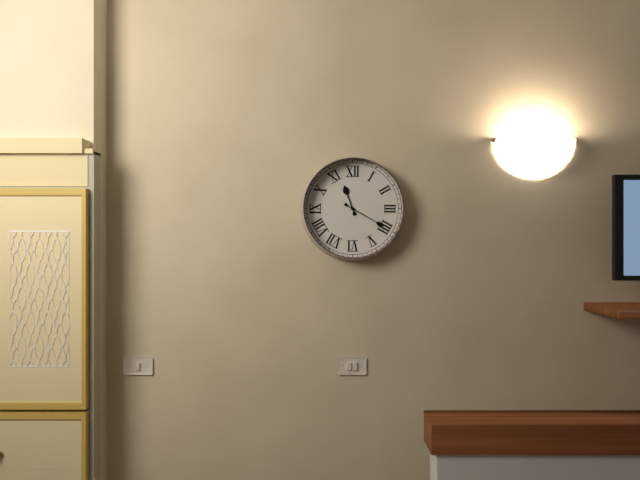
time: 11:20
